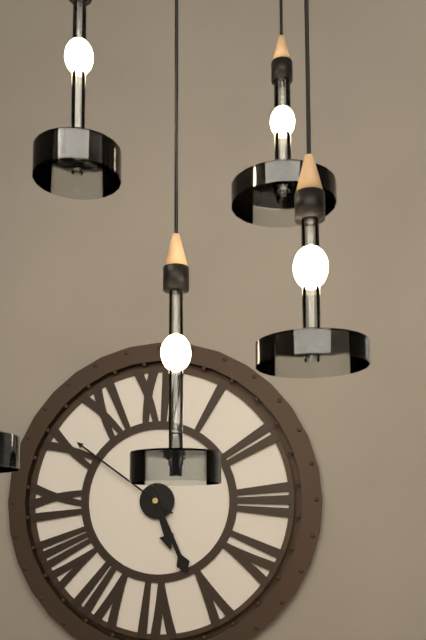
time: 5:26:51
